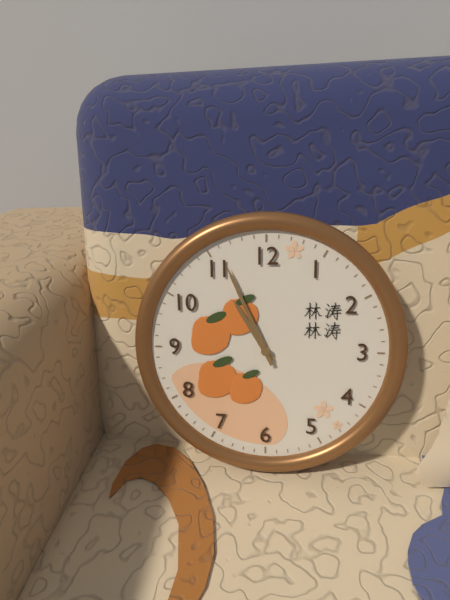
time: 10:56
